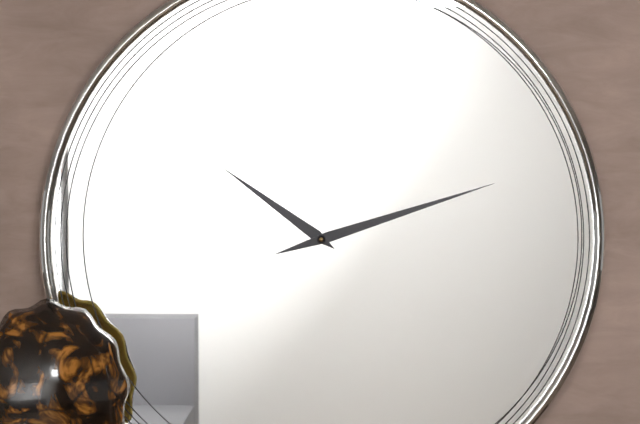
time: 10:12
